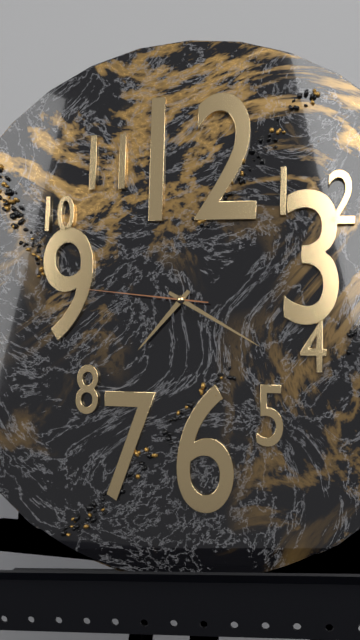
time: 7:20:46
